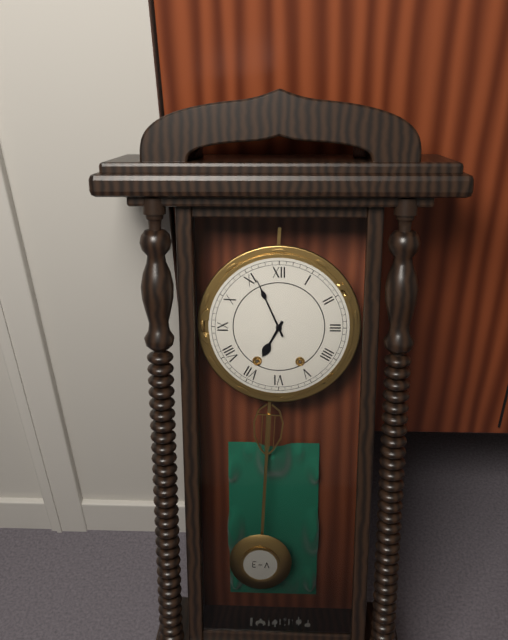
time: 6:56
